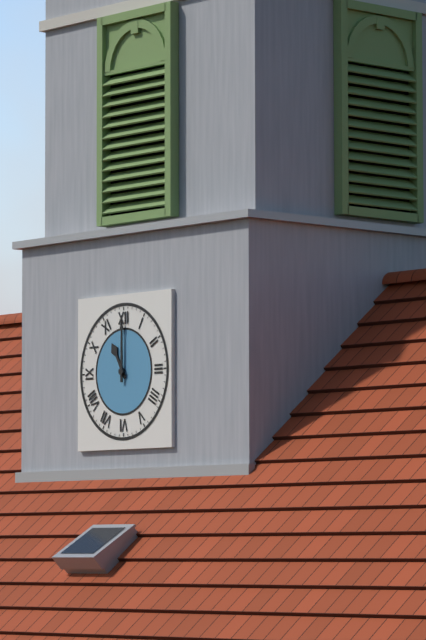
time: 11:00
